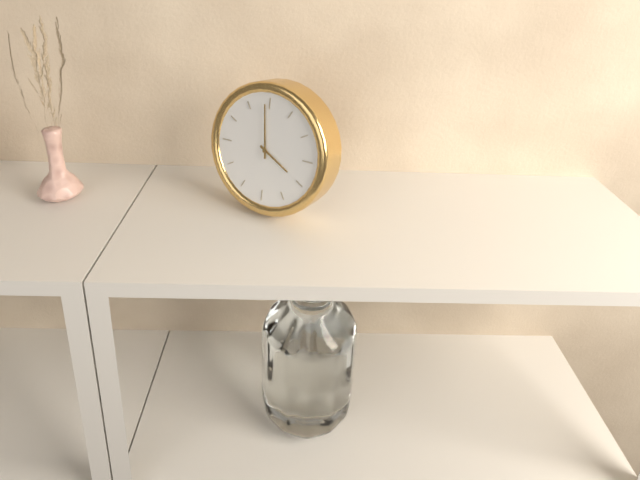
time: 3:59
